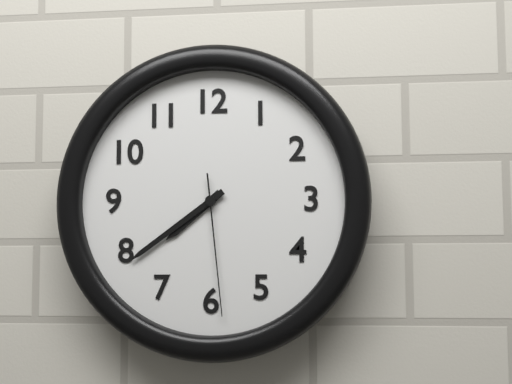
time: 7:39:29
